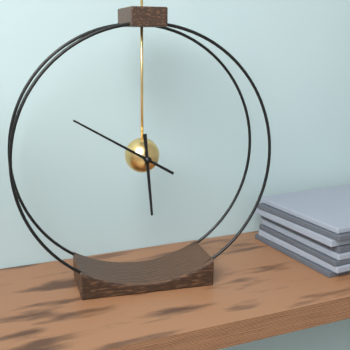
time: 5:50
